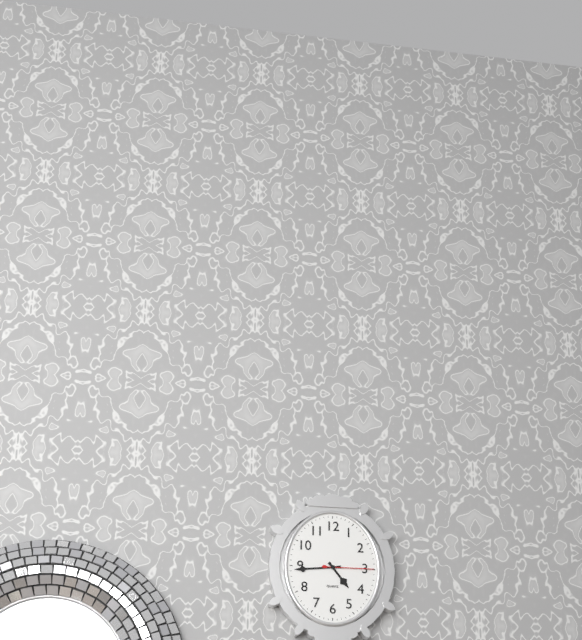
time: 4:44:15
